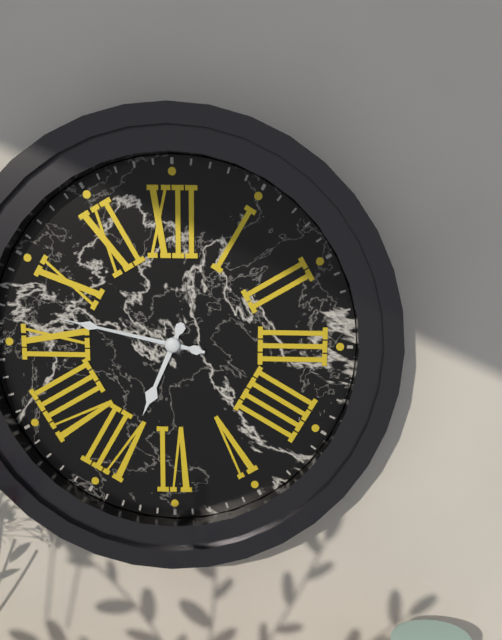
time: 6:47:47
